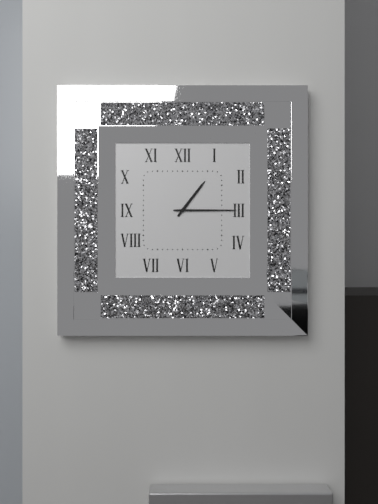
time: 1:15
